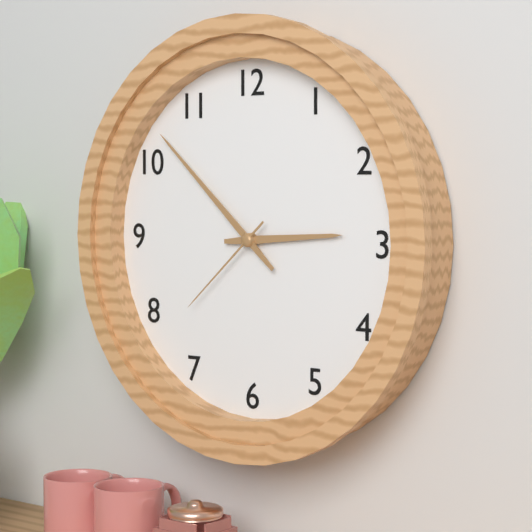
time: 2:52:38
